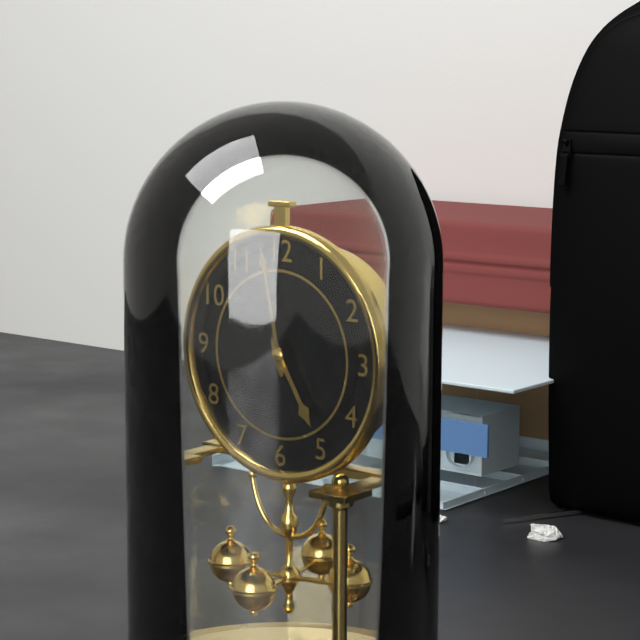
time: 4:58
